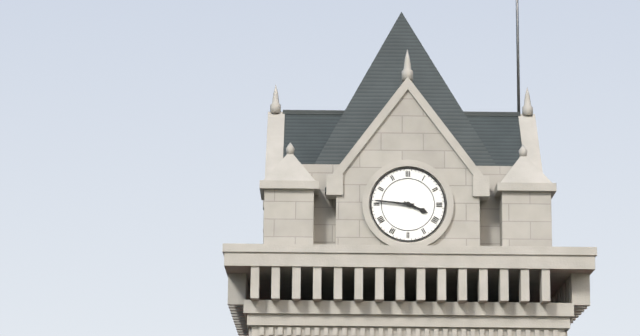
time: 3:46
